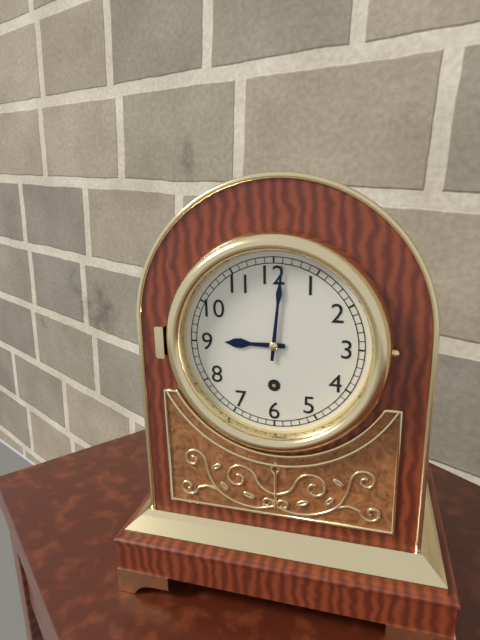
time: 9:01
